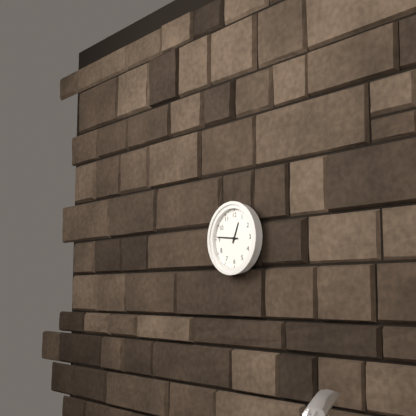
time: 12:46
